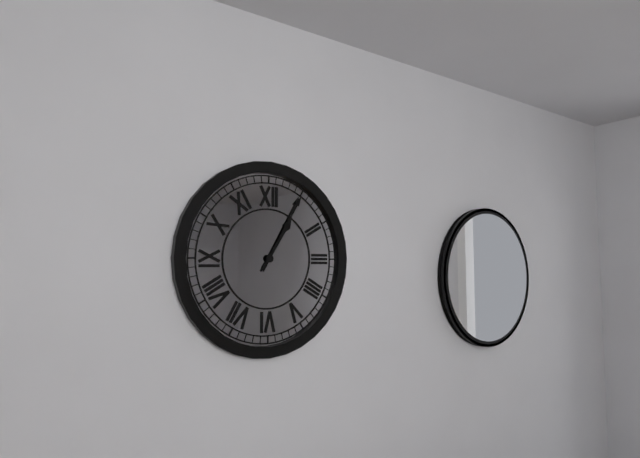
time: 1:05
